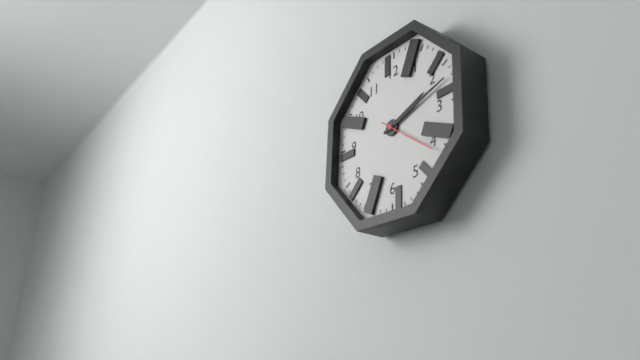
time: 2:12:21
